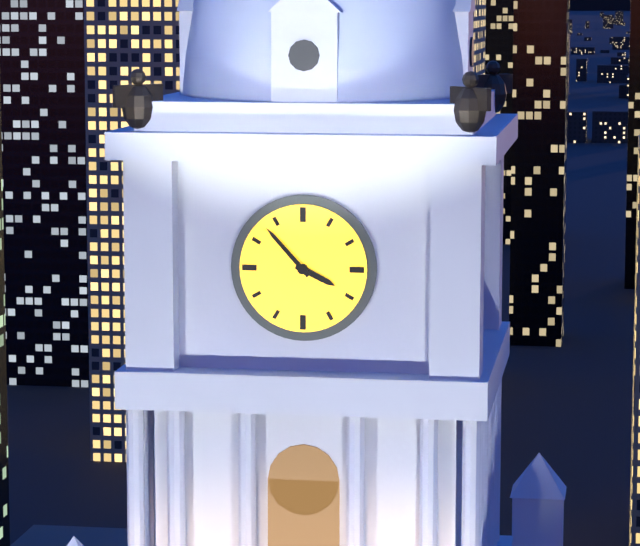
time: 3:53
